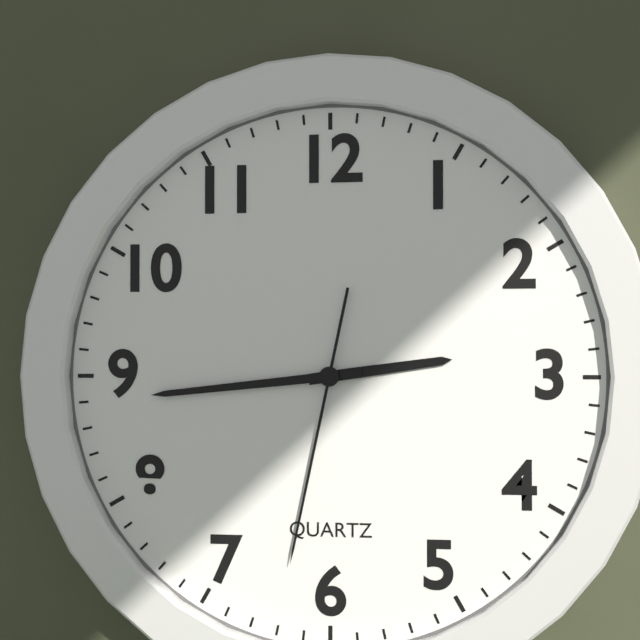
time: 2:44:32
